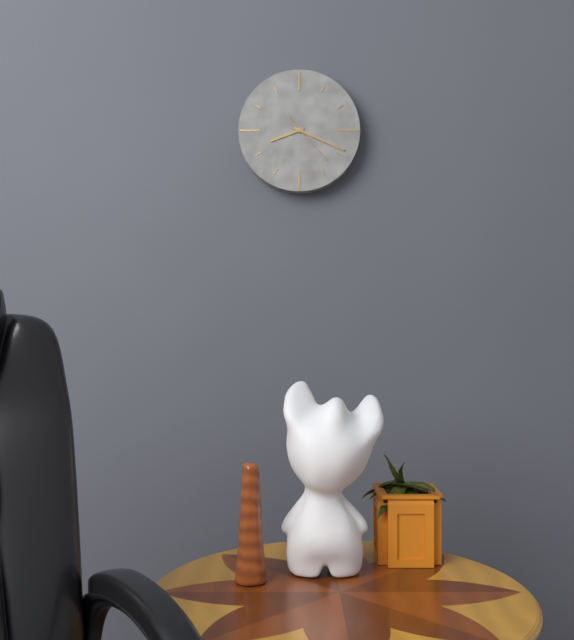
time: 8:19:23
